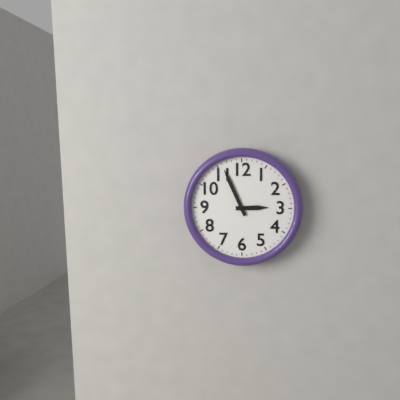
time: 2:56
